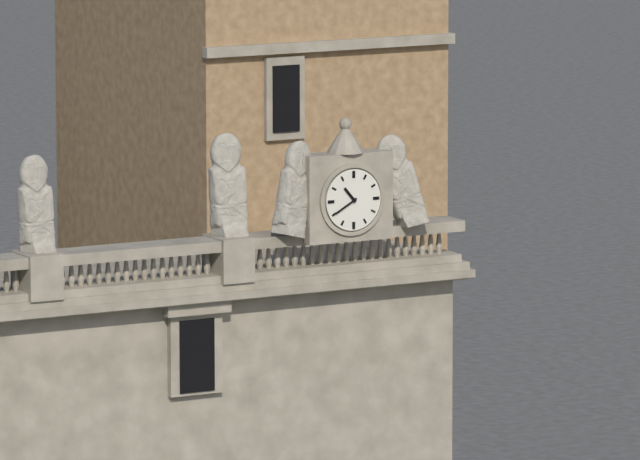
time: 10:40
